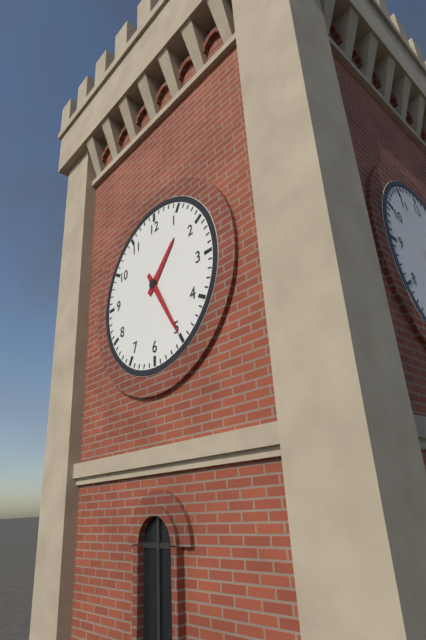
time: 1:25
